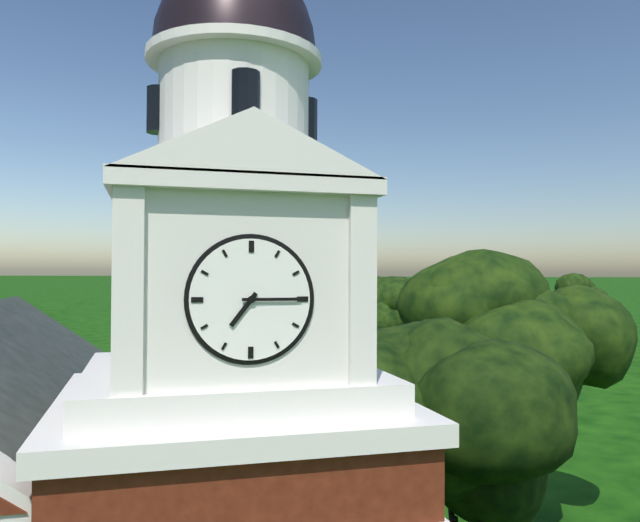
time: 7:15
